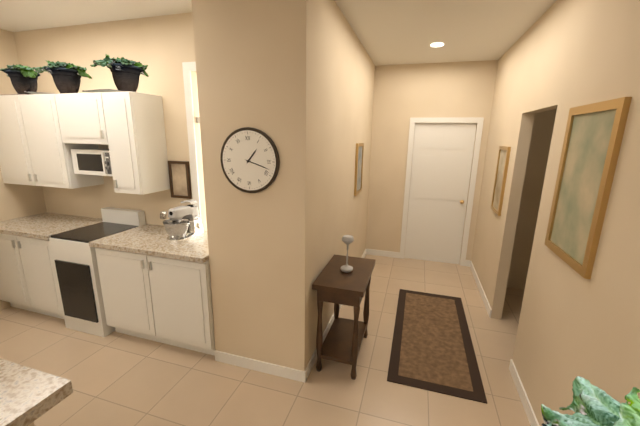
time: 1:18
